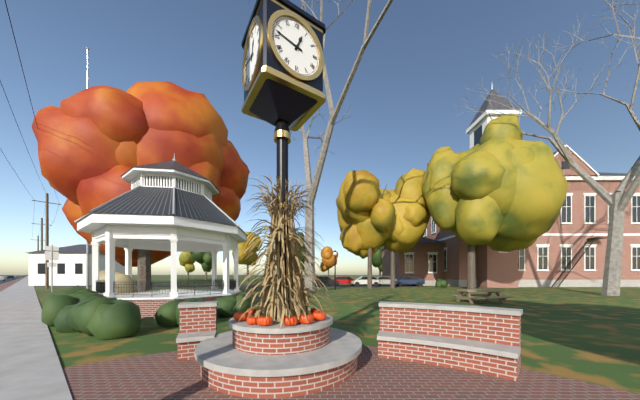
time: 12:47
